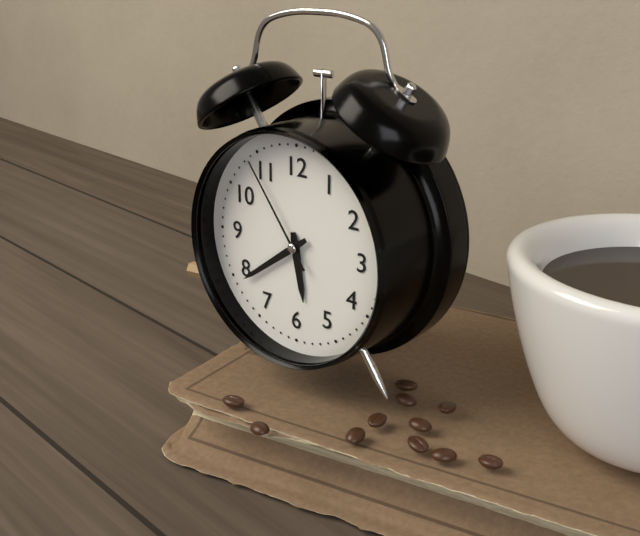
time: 5:39:54
